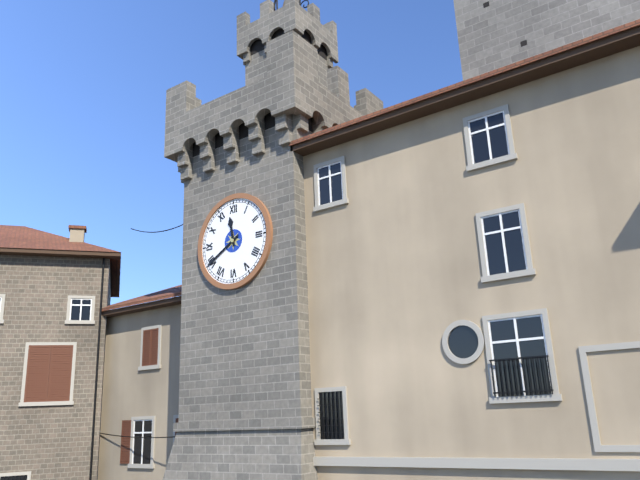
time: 11:40
